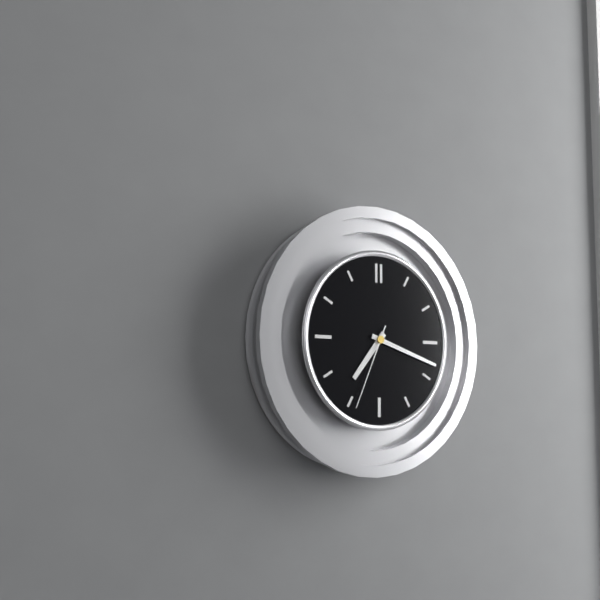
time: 7:18:34
